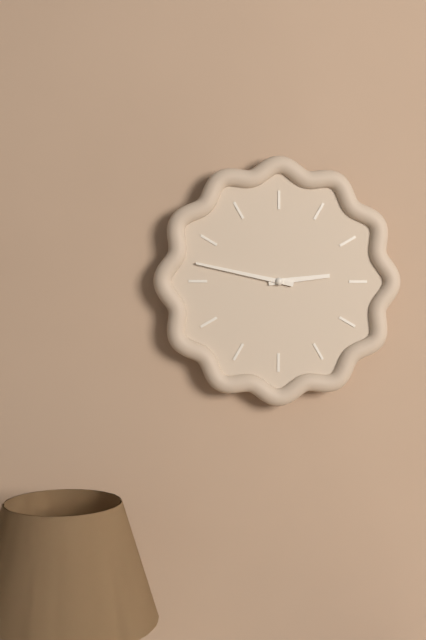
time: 2:47
